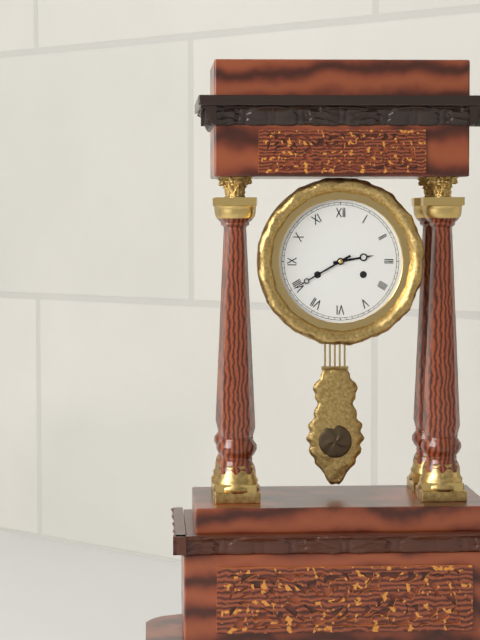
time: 2:40
